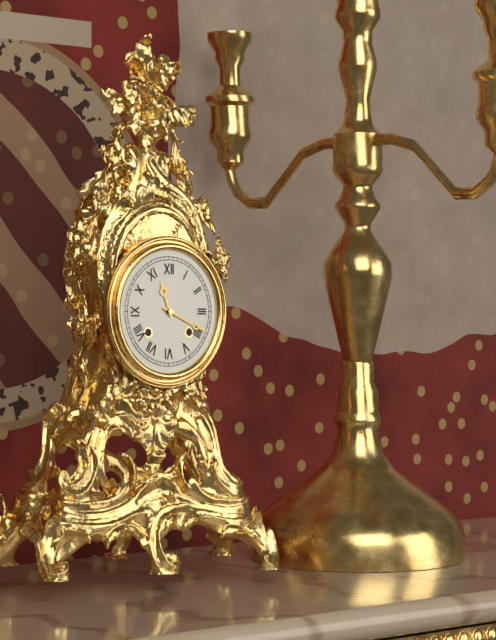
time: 11:19
